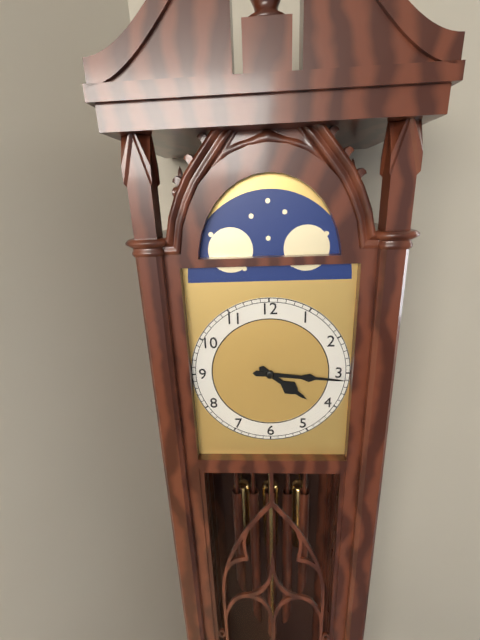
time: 4:16
